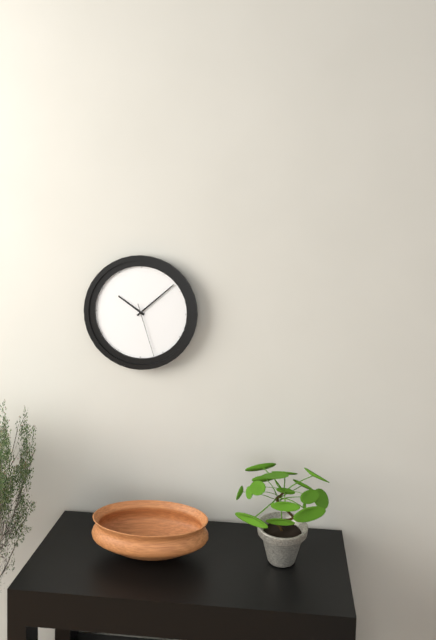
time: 10:08:27
